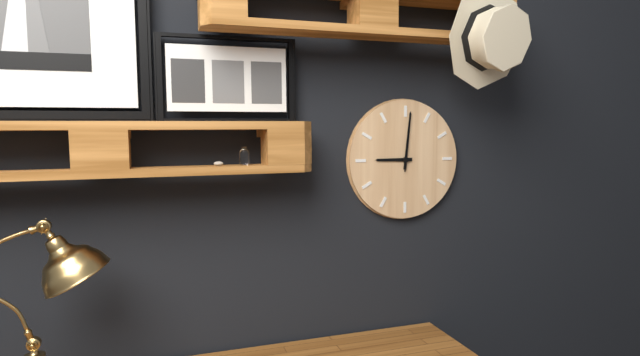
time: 9:01
